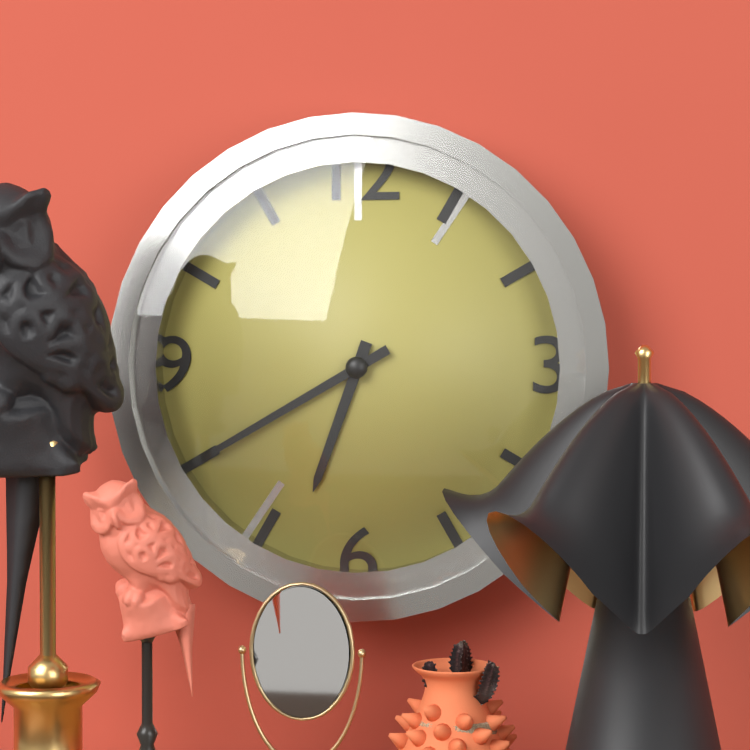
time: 6:40
